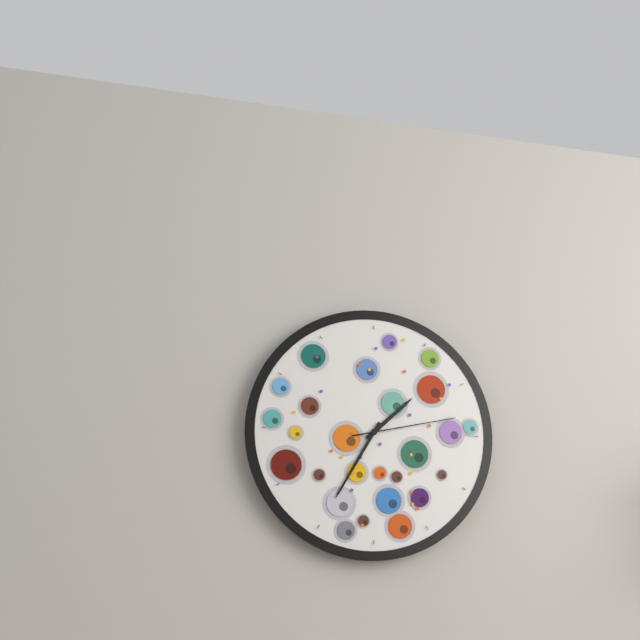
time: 1:35:13
